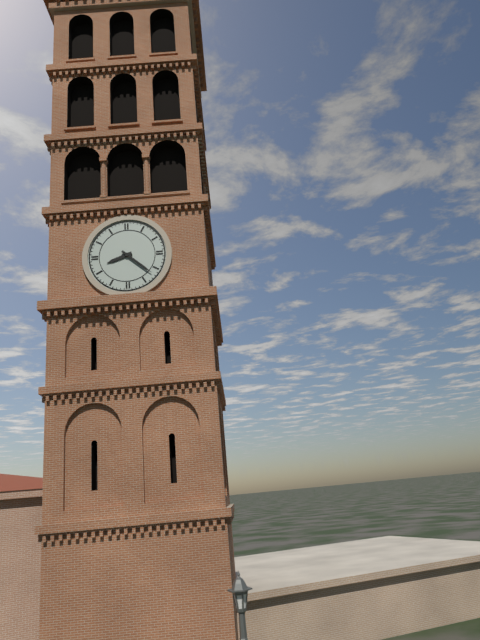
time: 8:22
